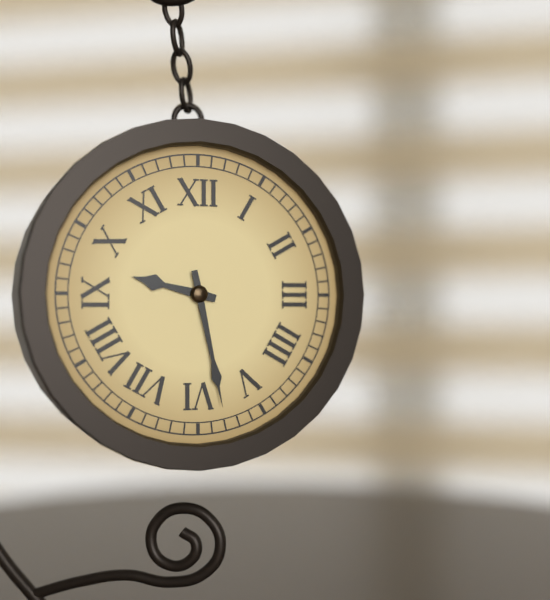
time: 9:28
